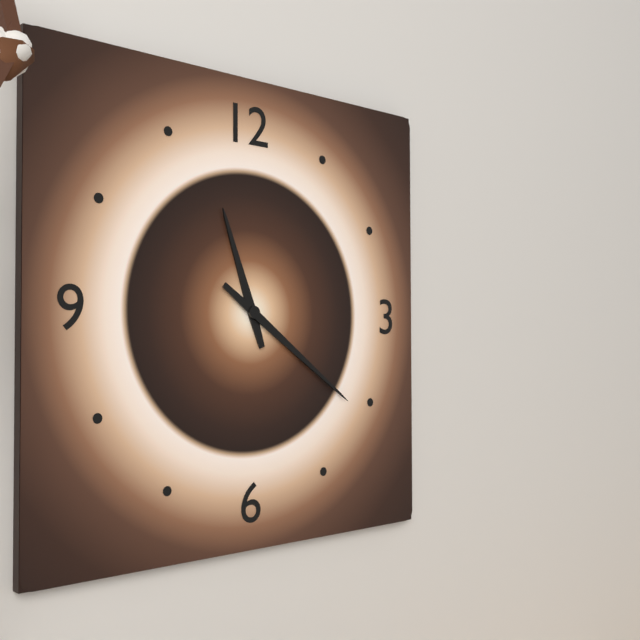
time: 11:21
